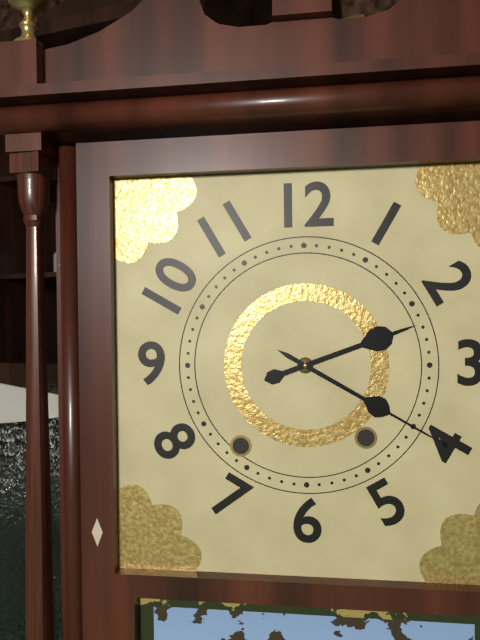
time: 2:20
